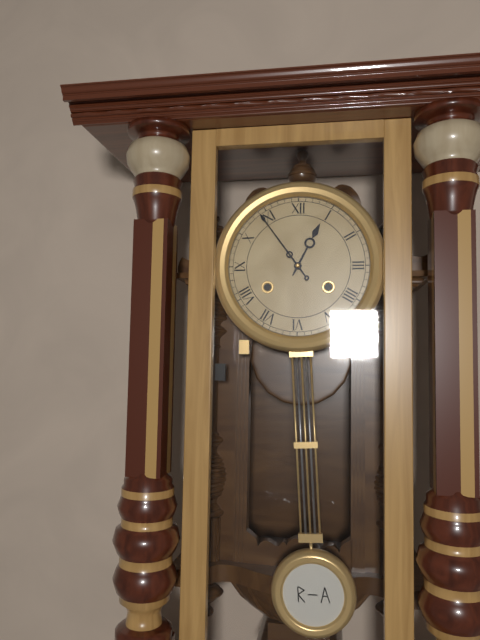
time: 12:54
